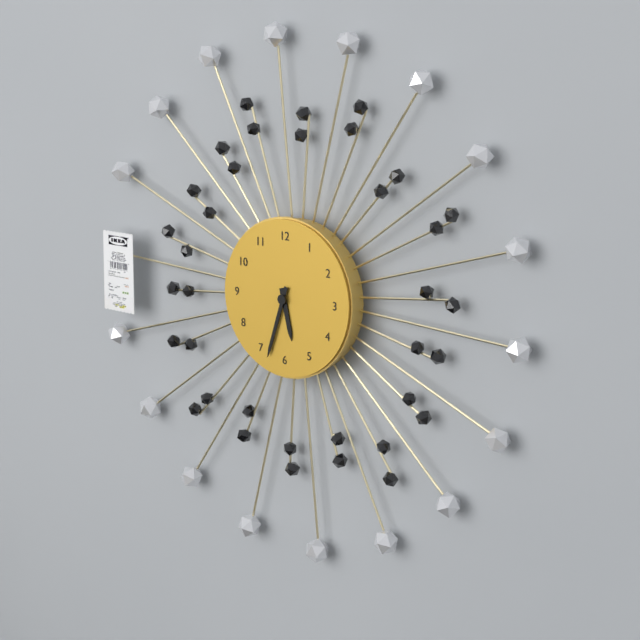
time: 5:33
